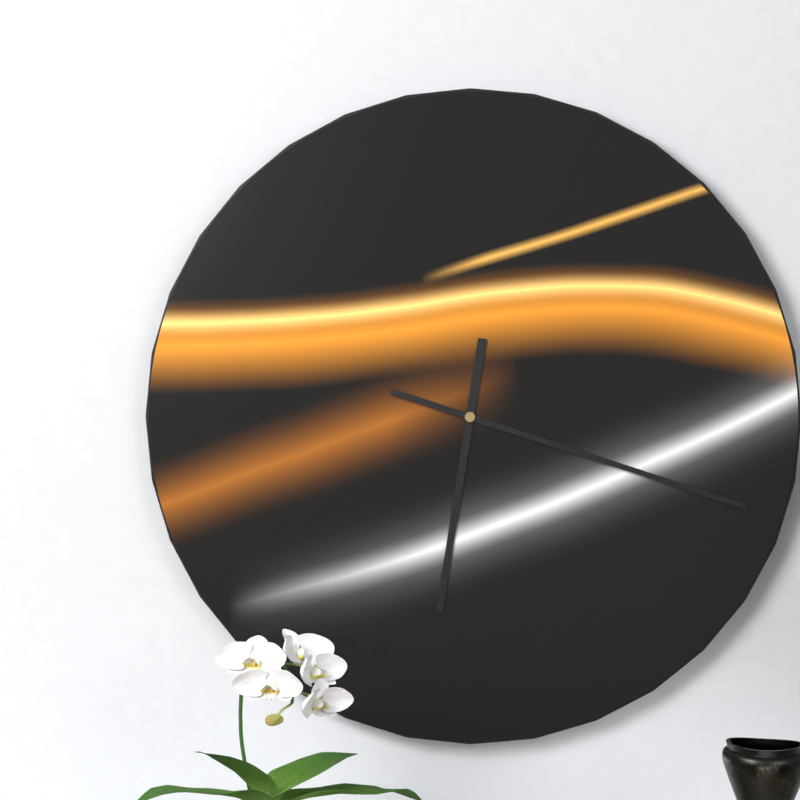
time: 6:18
